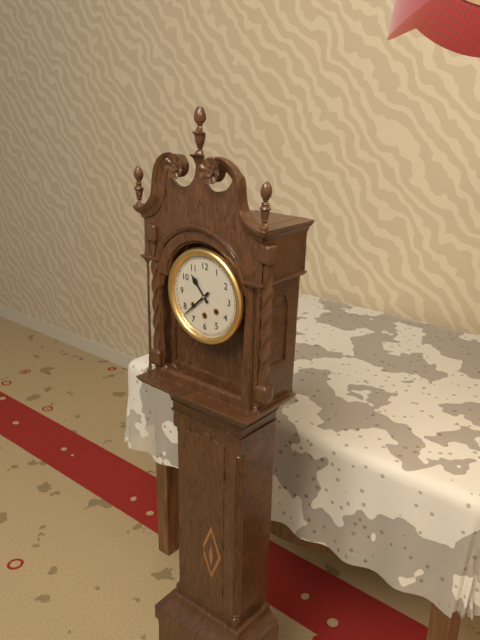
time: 10:38
